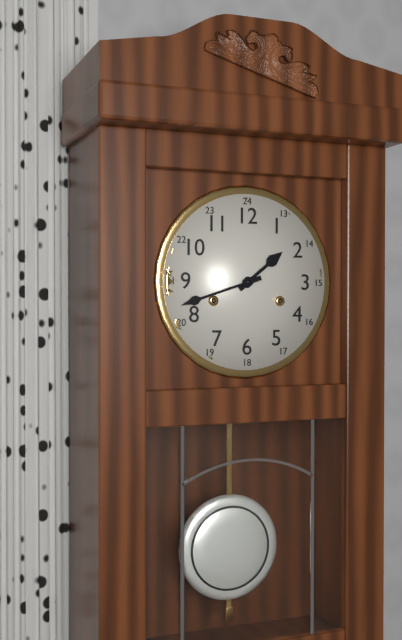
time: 1:42
